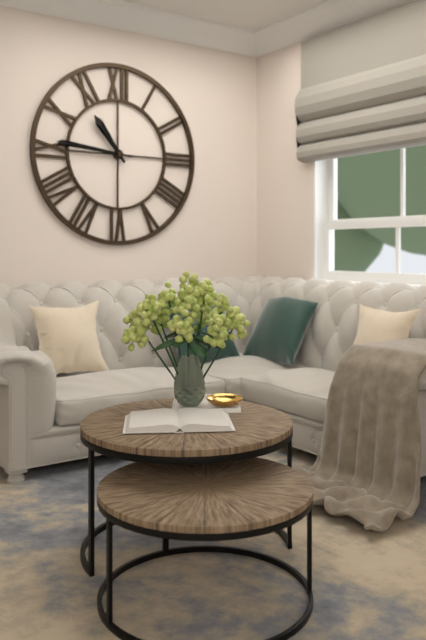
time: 10:46
